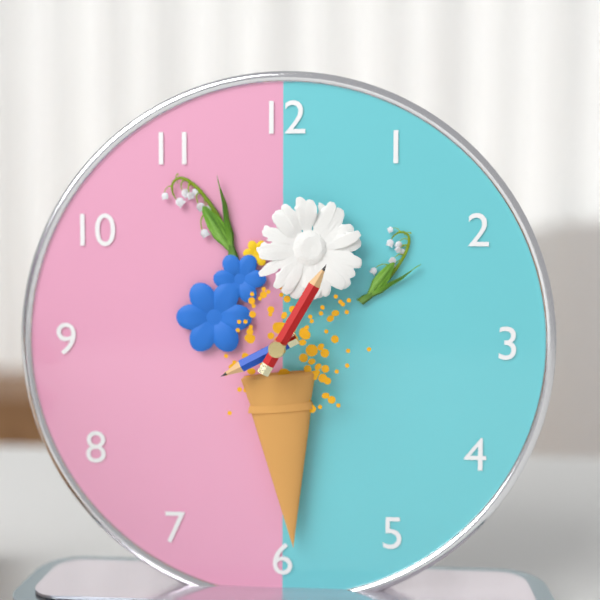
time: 8:05
